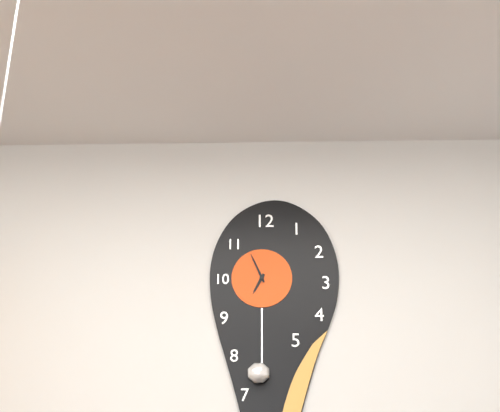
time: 6:56
